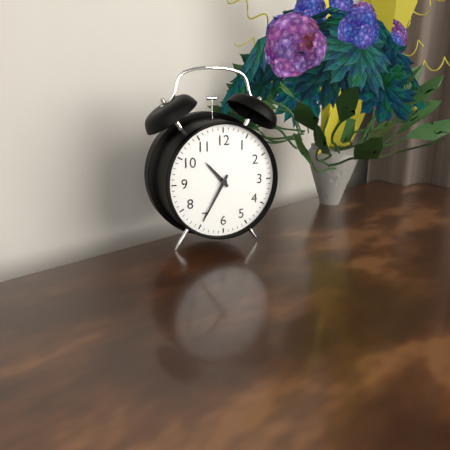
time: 10:35
